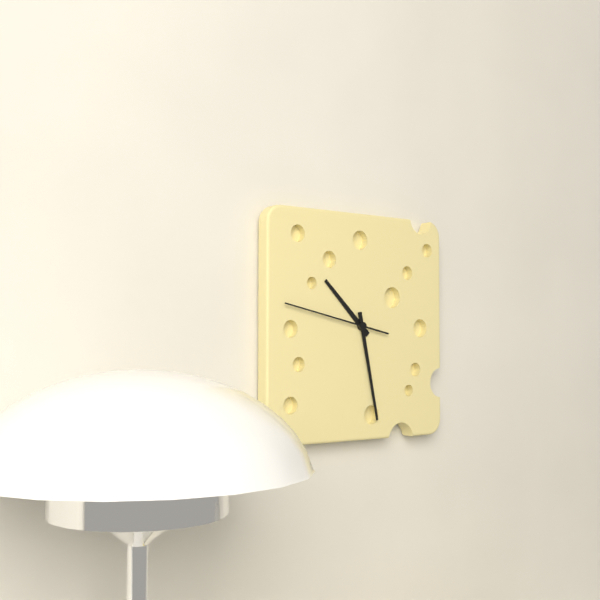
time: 10:28:47
